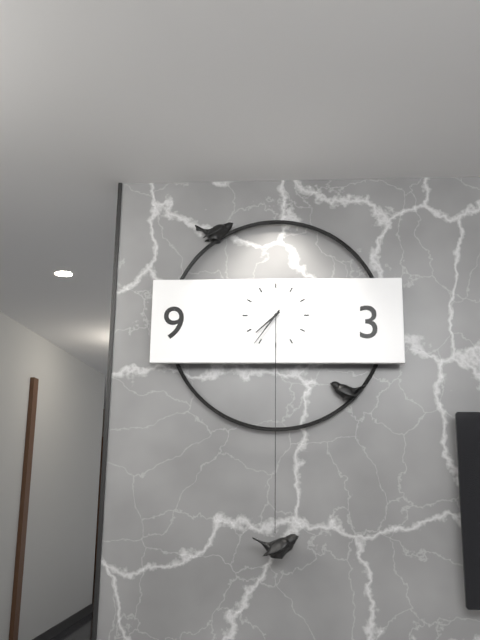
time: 7:36
